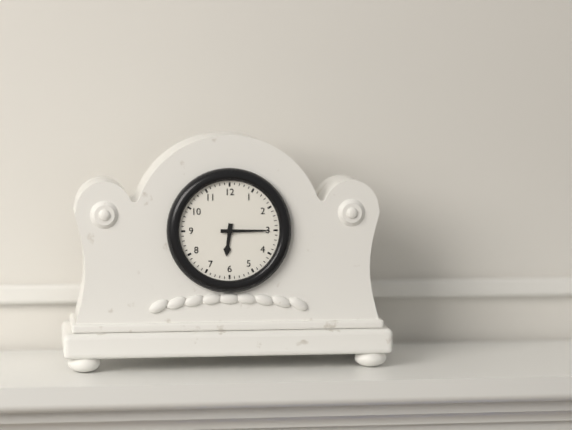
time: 6:15
